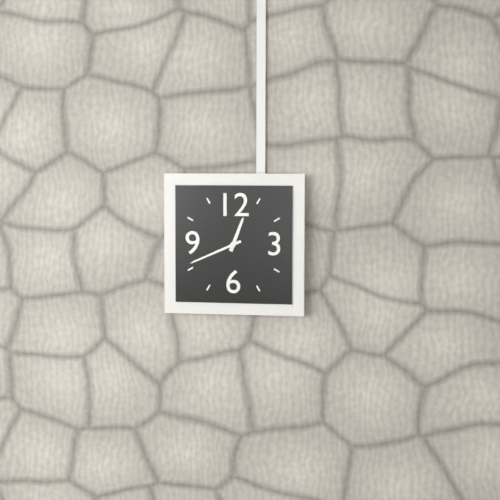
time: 12:41
